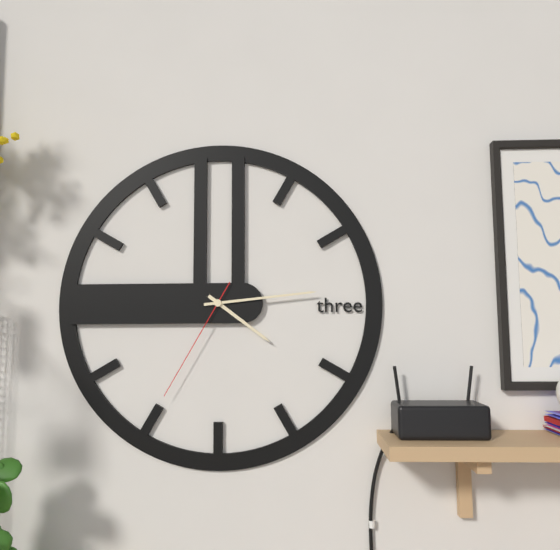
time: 4:14:35
